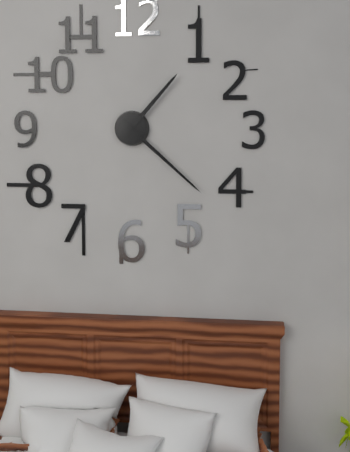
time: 1:22
